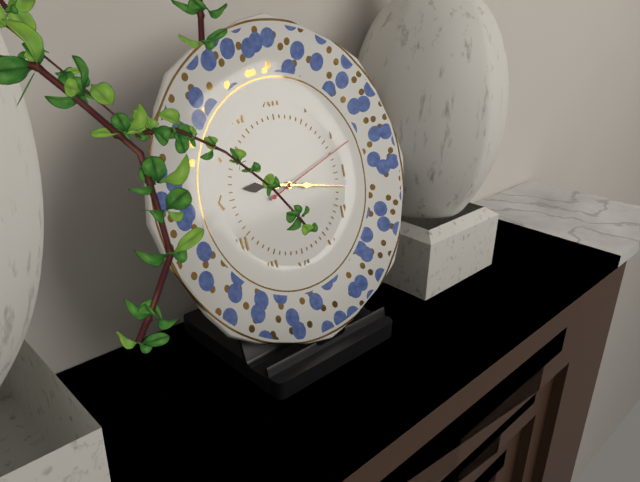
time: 9:17:12
